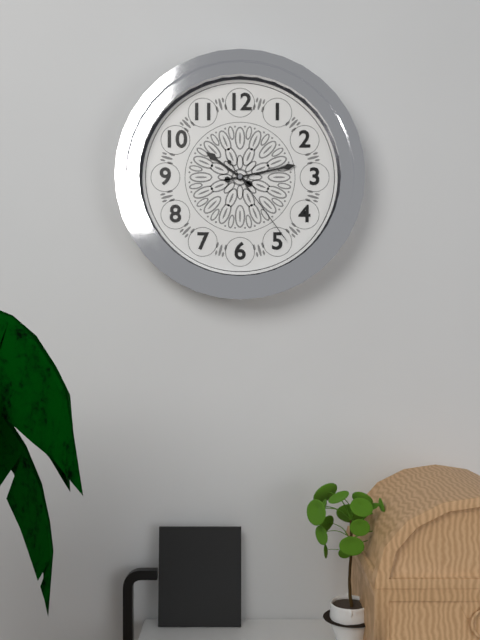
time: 10:13:24
